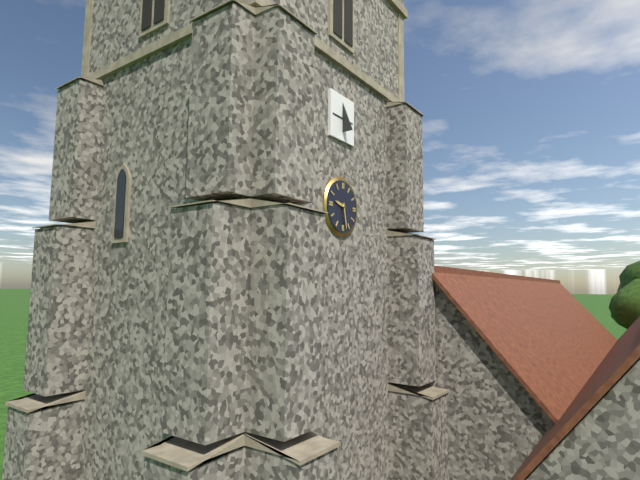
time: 9:28
